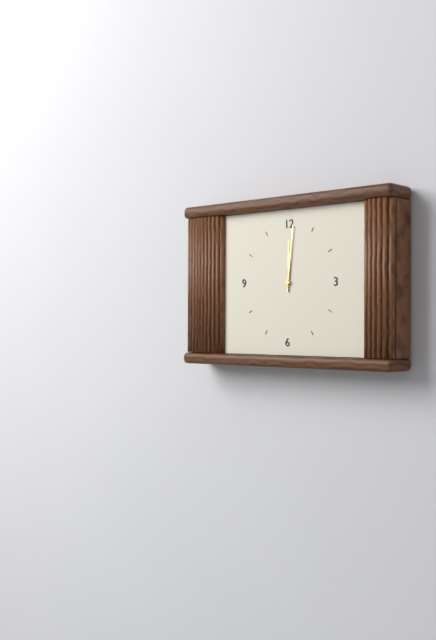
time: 12:01
